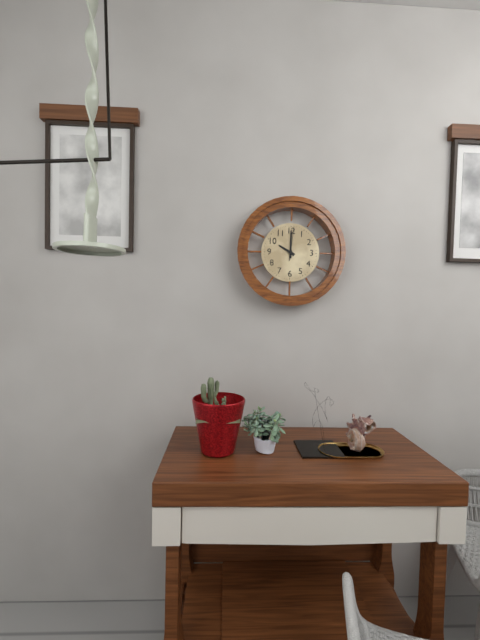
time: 10:00
